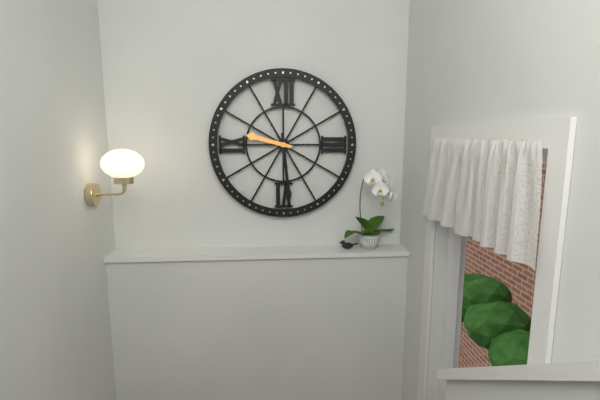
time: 9:29
